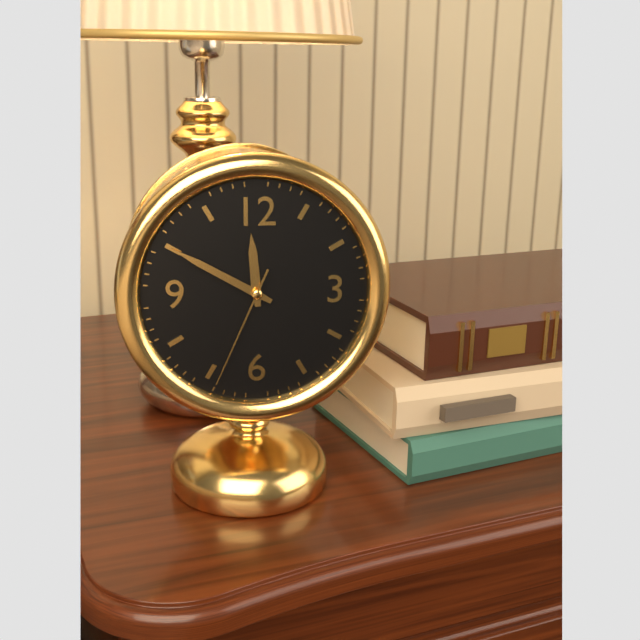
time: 11:50:34
